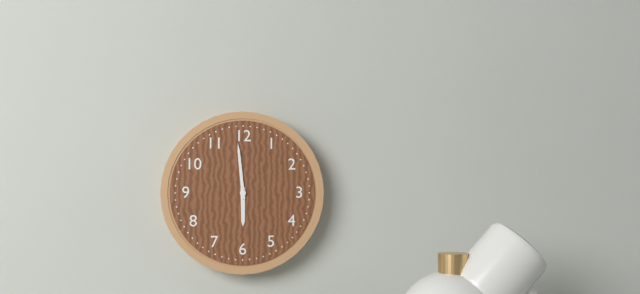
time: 5:59
